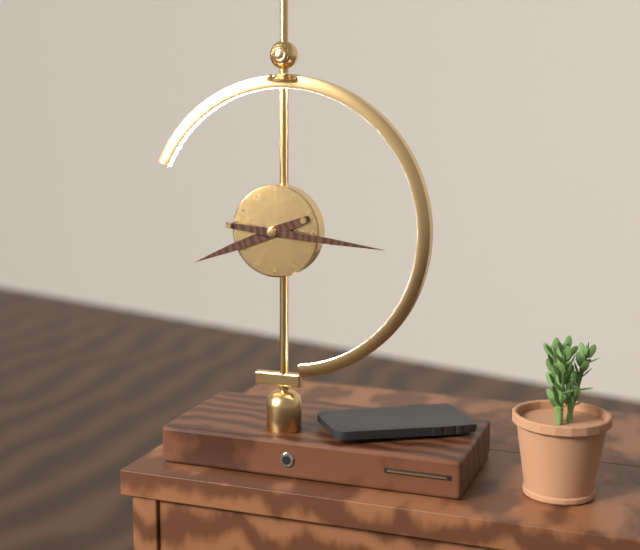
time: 8:16
